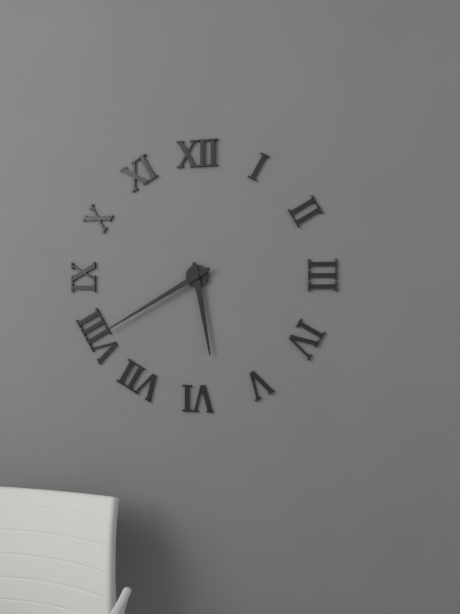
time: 5:40
